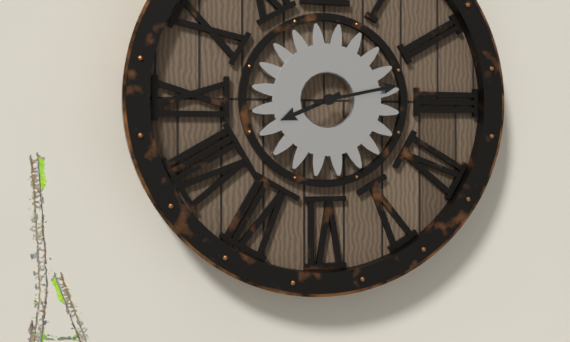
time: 8:13
